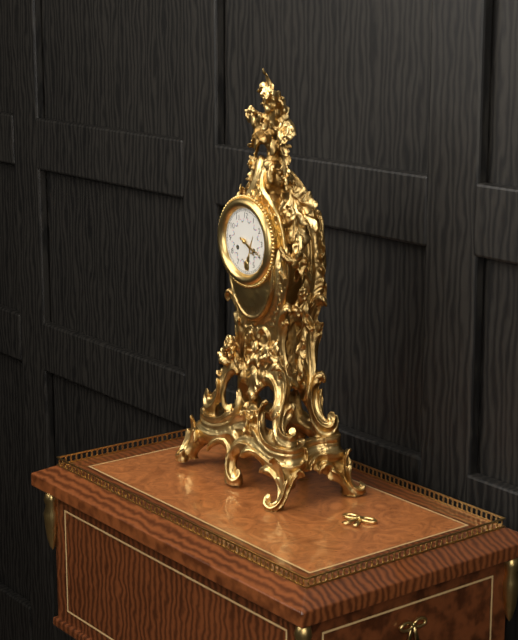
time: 4:19
